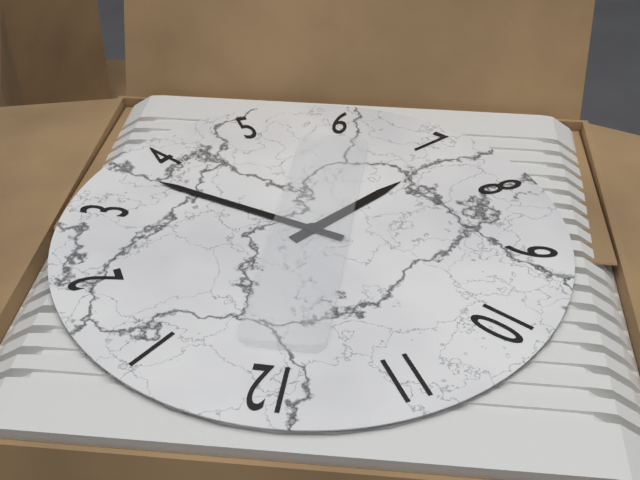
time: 7:18
